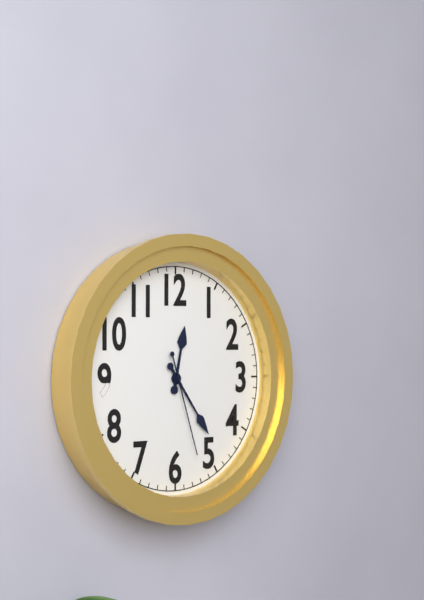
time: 12:24:27
